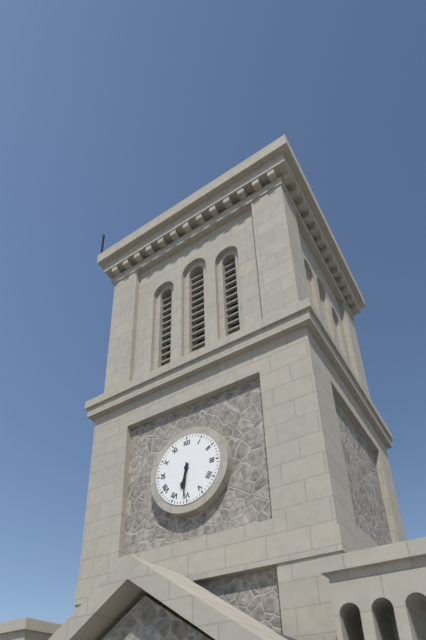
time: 6:31
